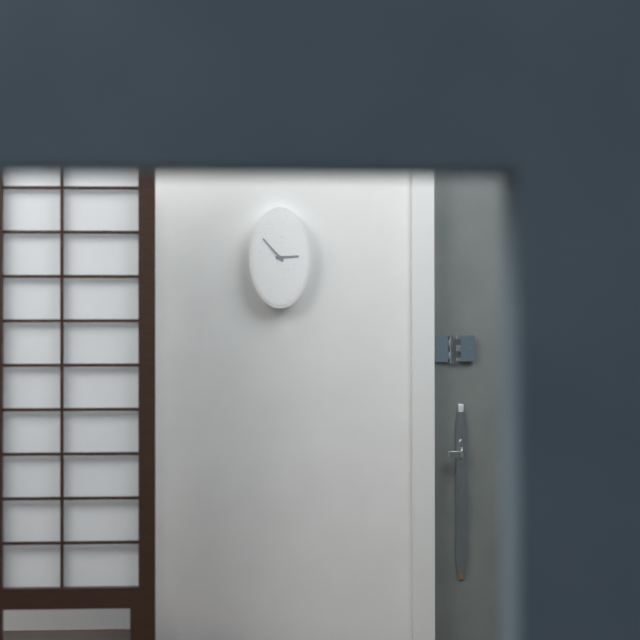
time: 2:53
